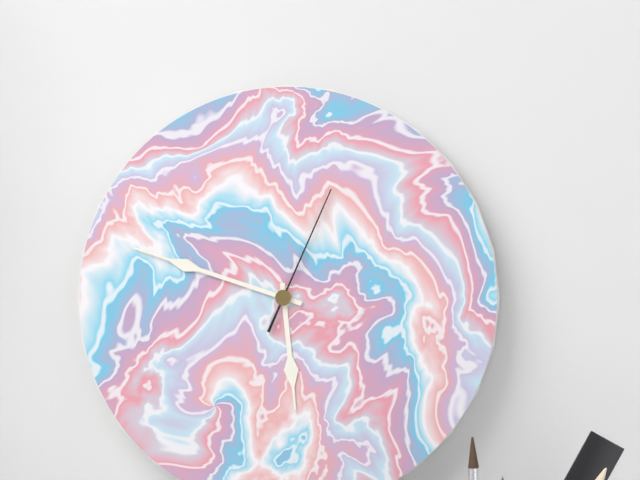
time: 5:48:04
